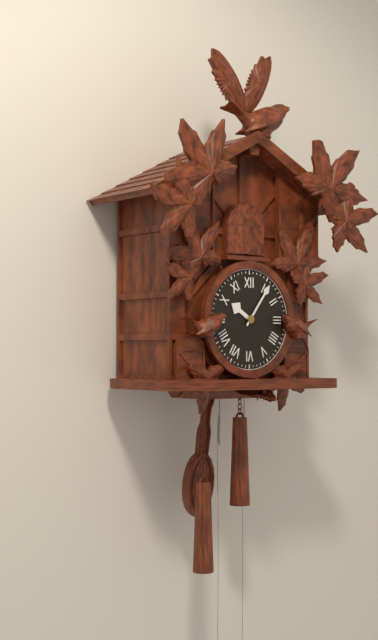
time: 10:06
